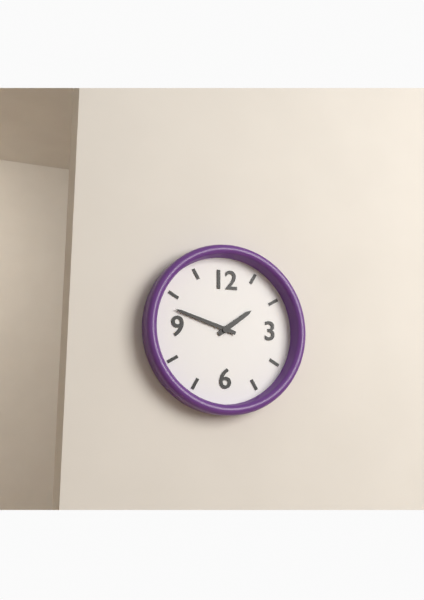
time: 1:48
